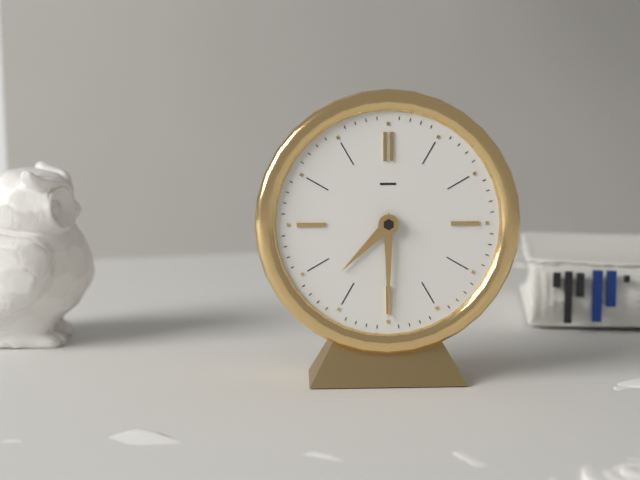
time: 7:30
